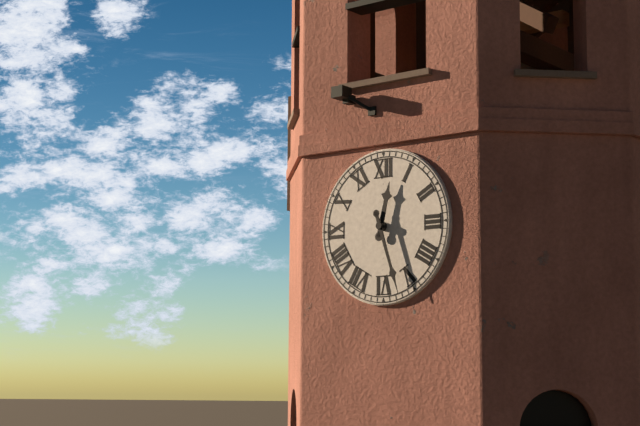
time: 12:27
